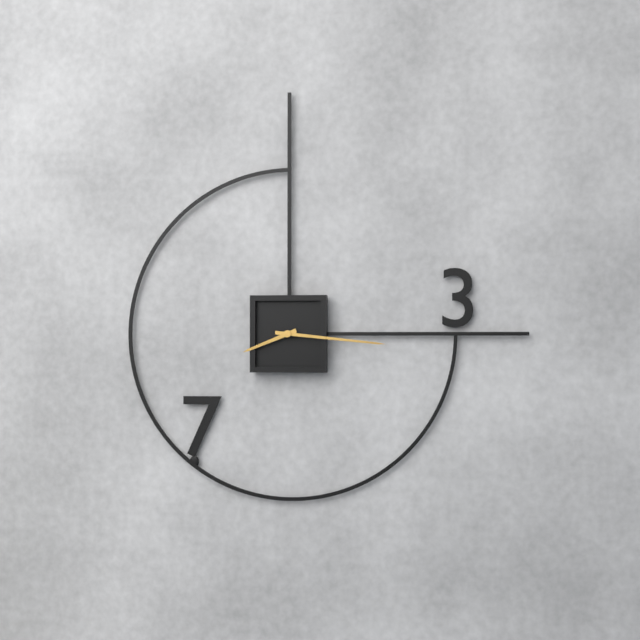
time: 8:16
